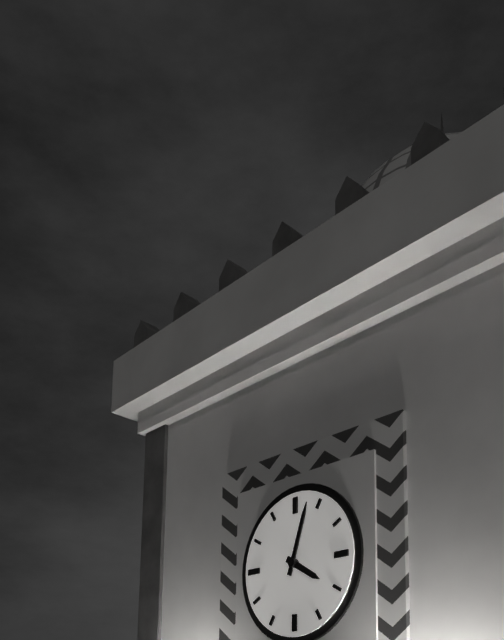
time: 4:03
